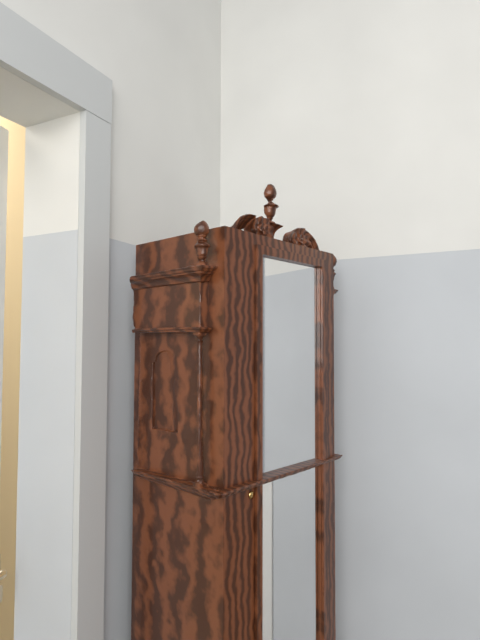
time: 3:03
